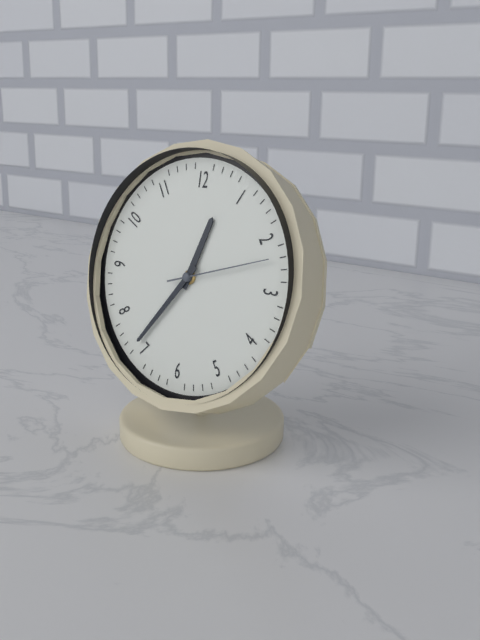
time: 12:36:12
